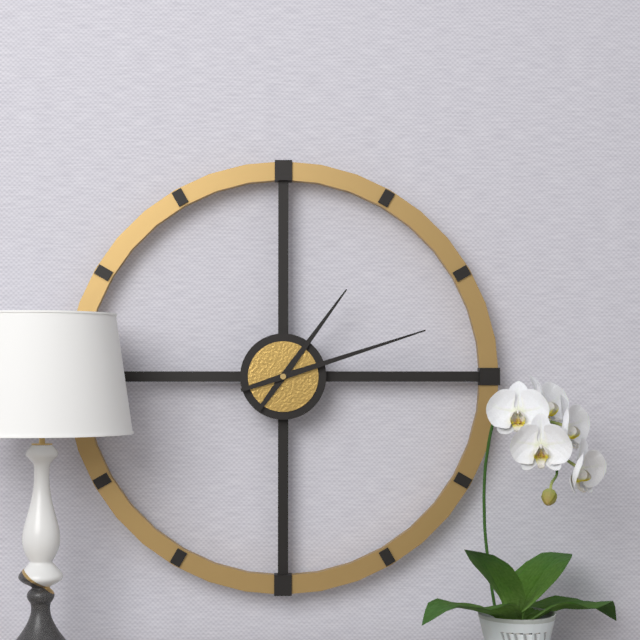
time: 1:12
